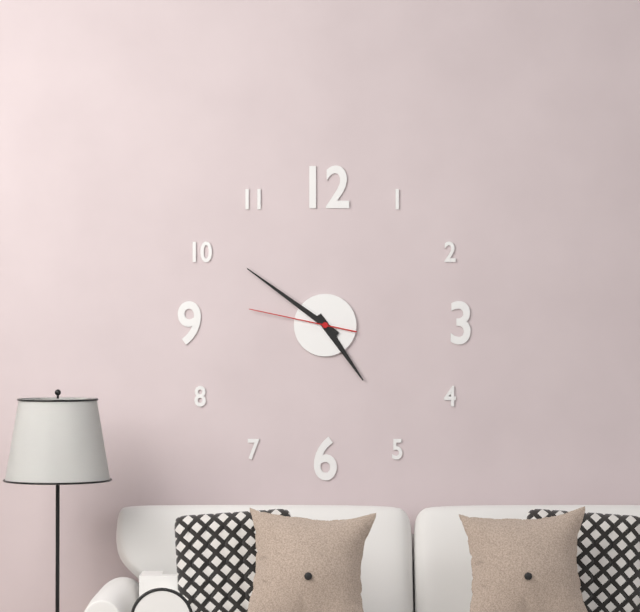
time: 4:51:47
